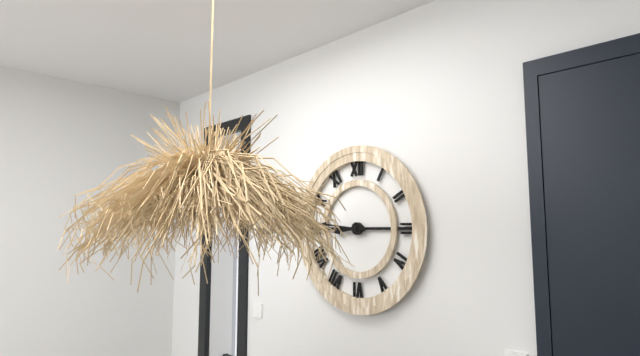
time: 8:46
